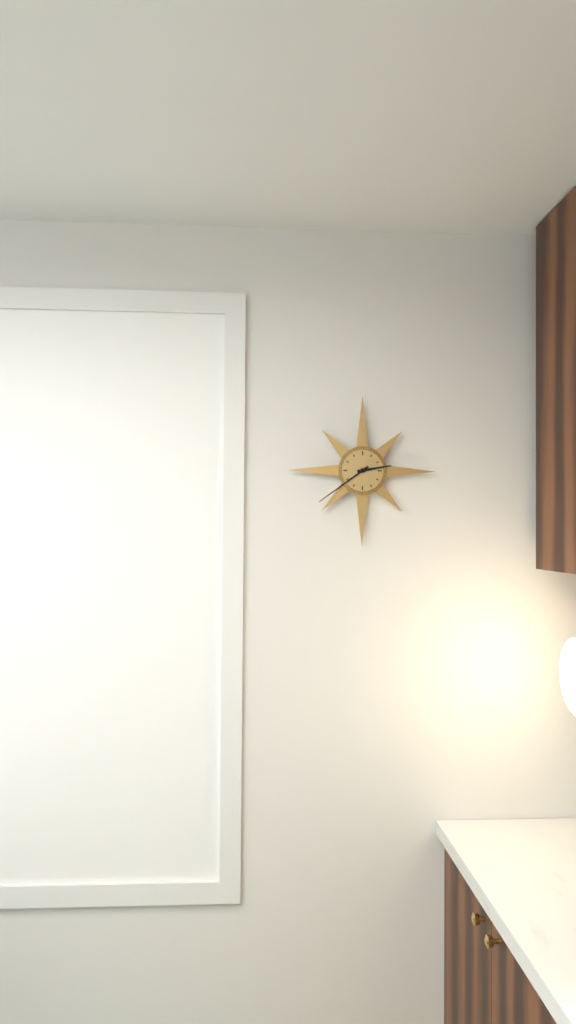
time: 2:39
